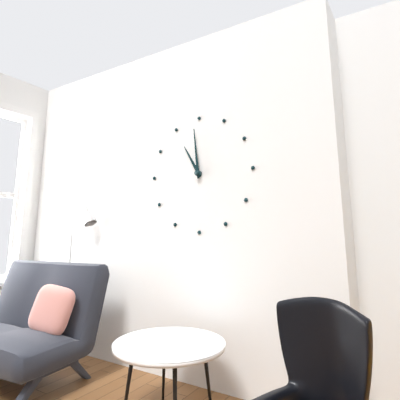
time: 10:59
